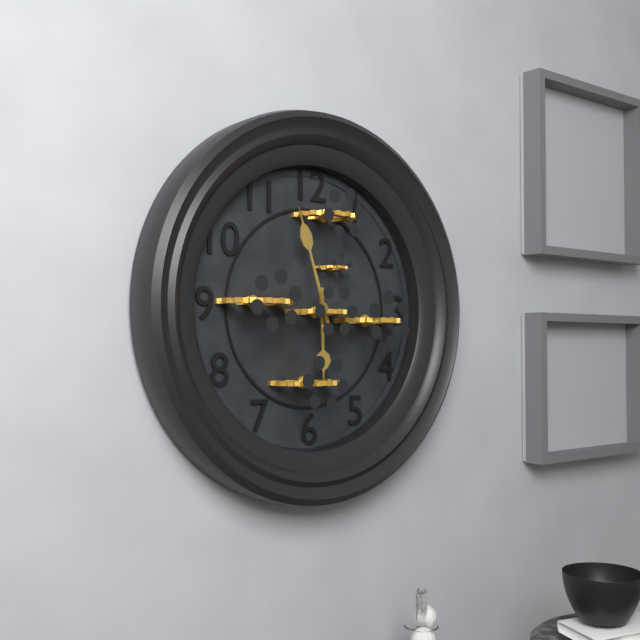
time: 5:57
